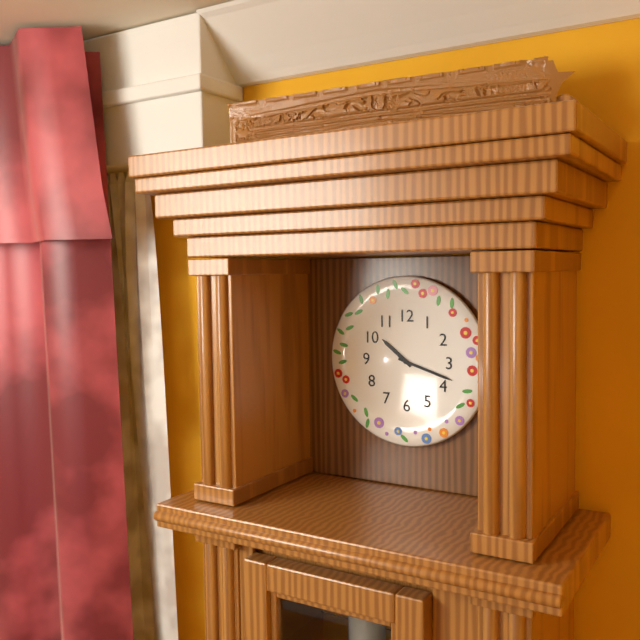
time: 10:18
